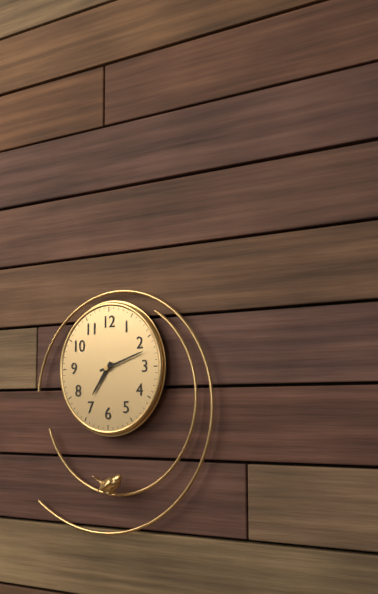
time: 7:12
